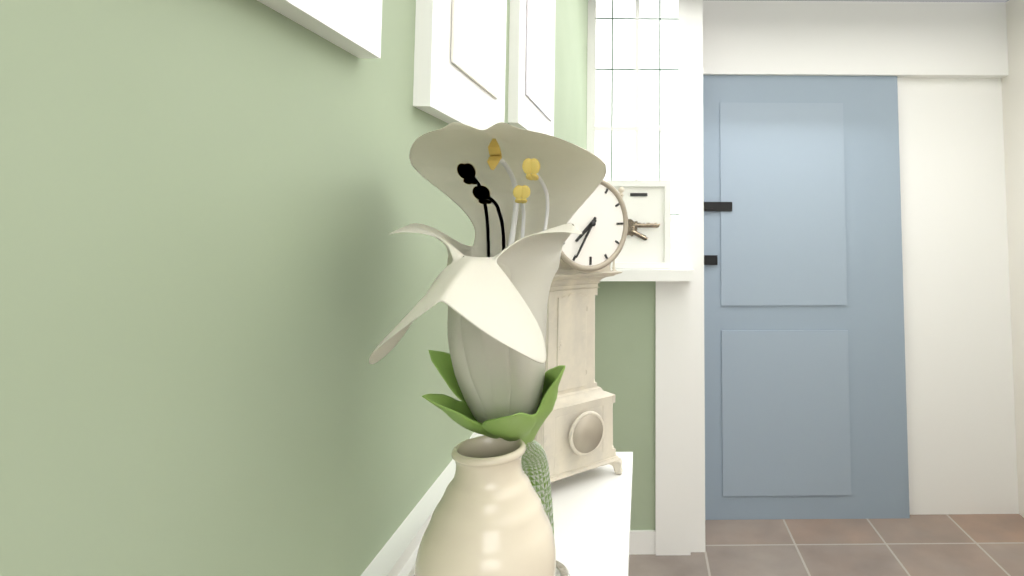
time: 7:35
